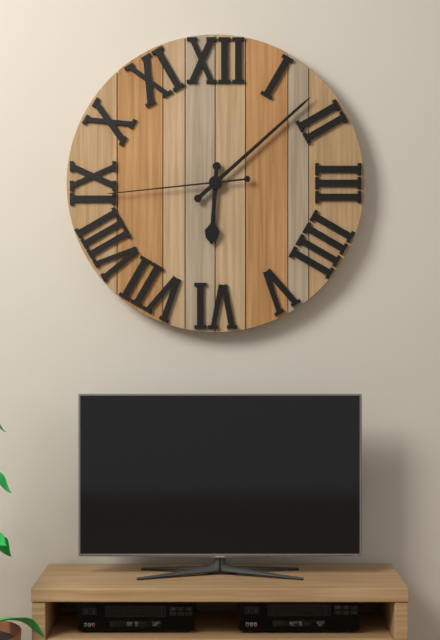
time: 6:08:44
